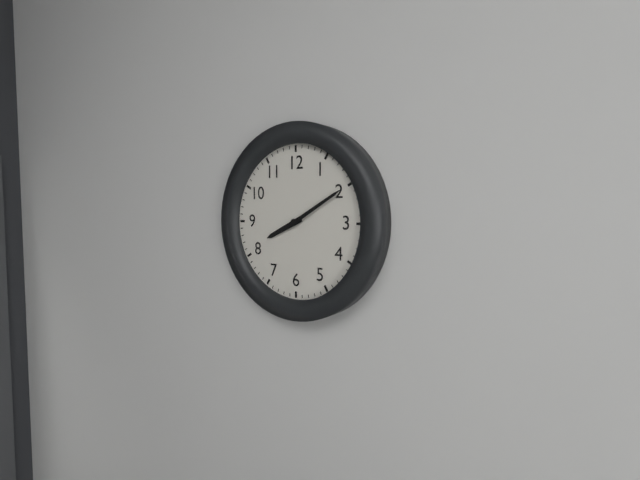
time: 8:10
